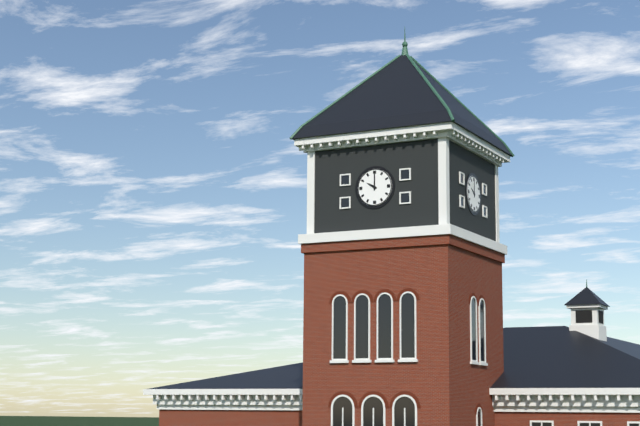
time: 10:00
